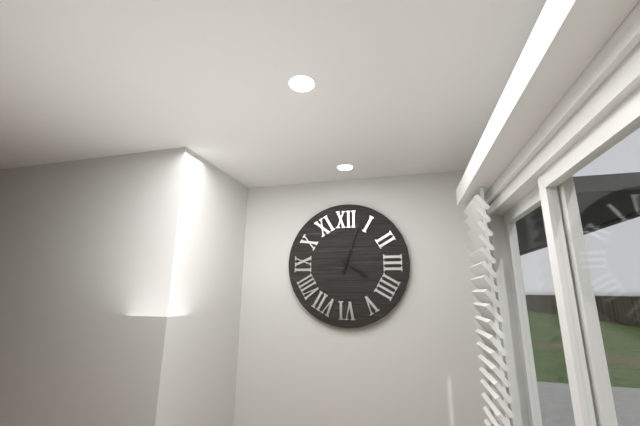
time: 4:03
